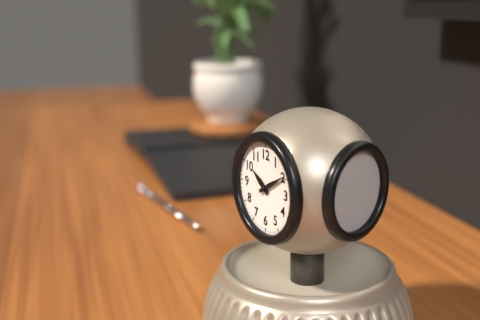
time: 10:10
